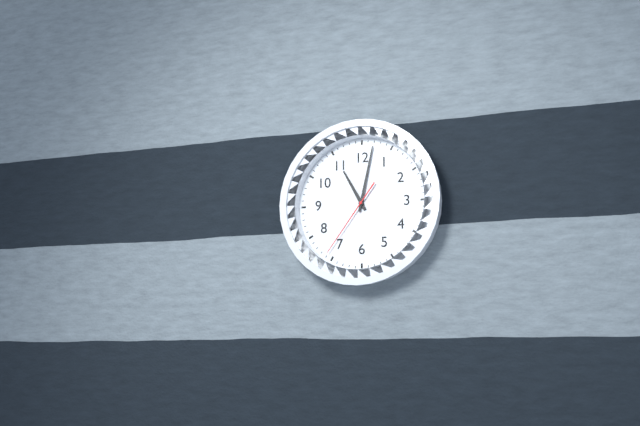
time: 11:02:36
